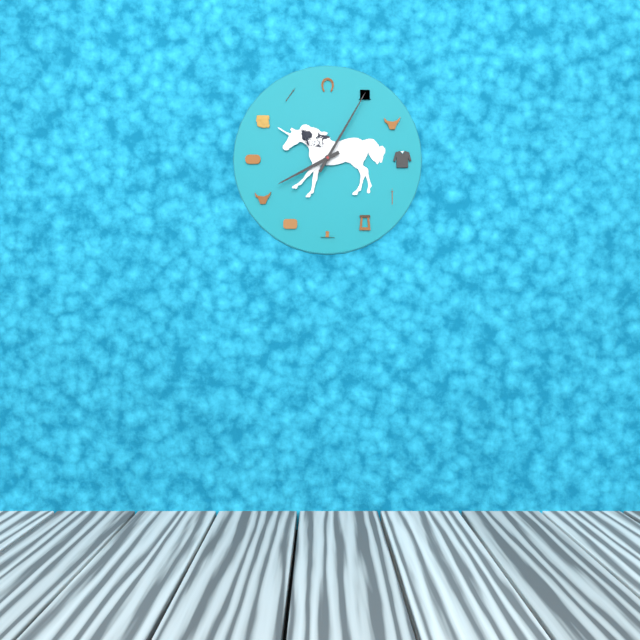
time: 8:05
